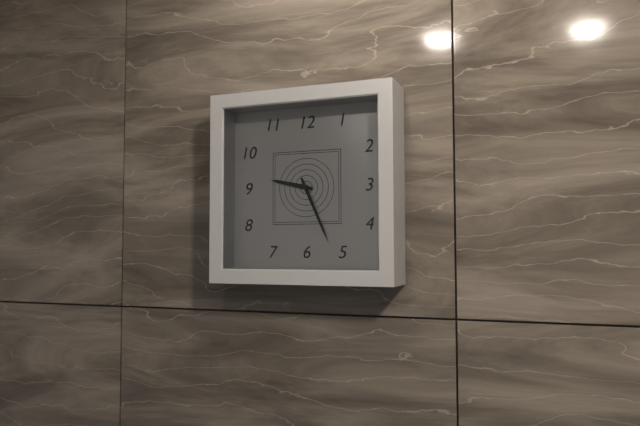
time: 9:26
